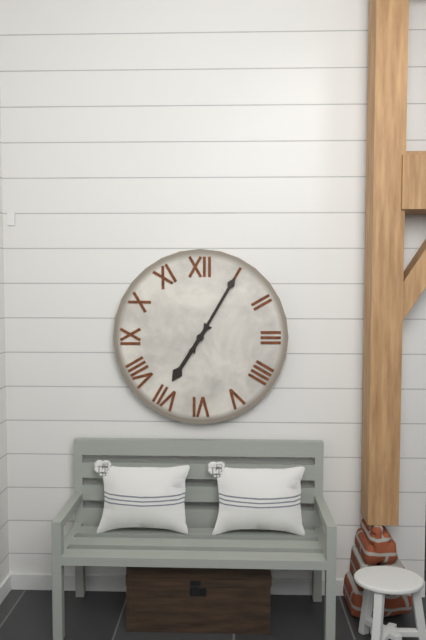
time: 7:05
